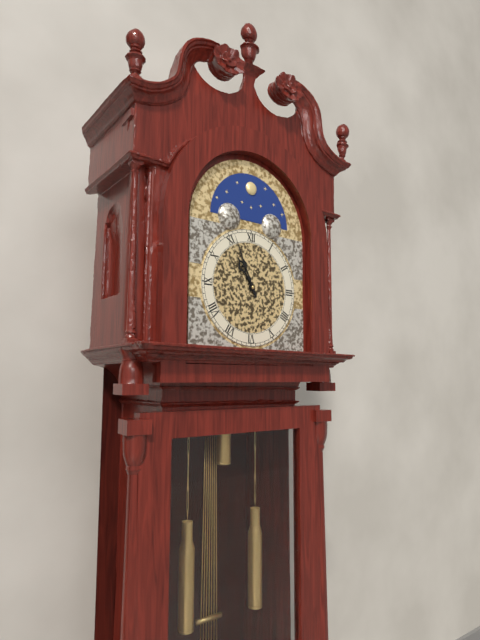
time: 10:56
